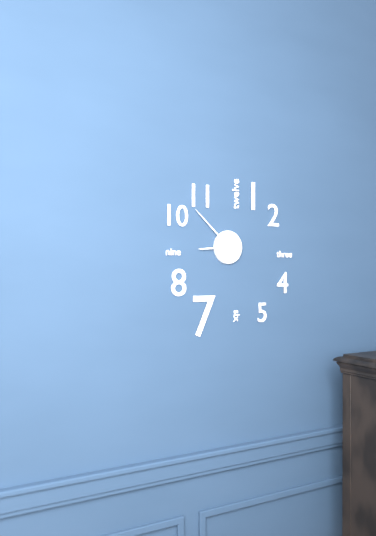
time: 8:52
